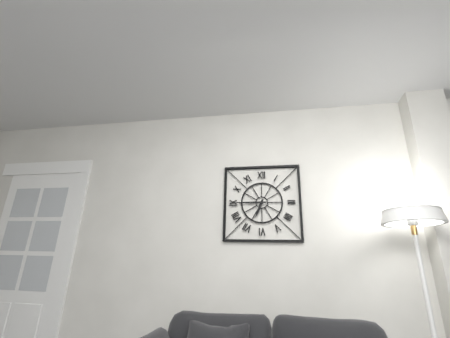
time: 6:45
